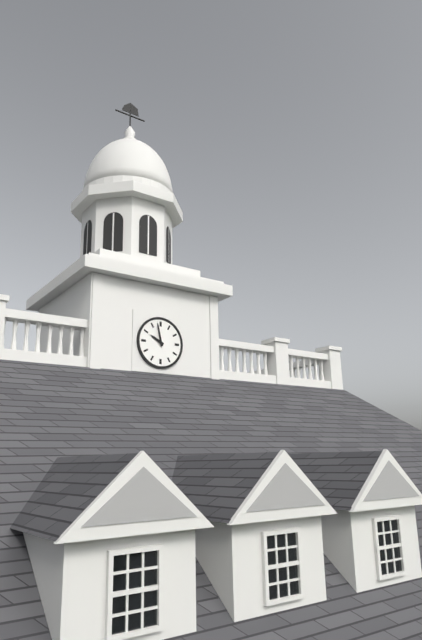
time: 9:58
